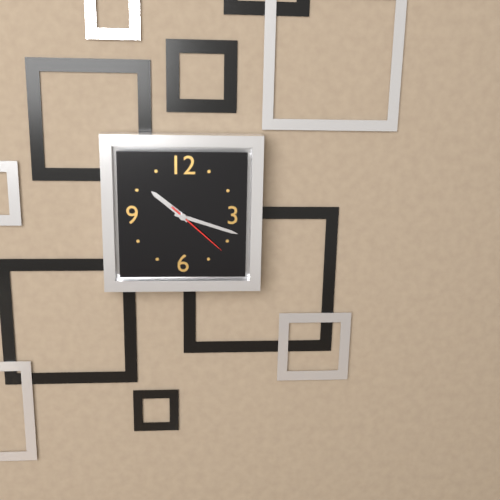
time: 10:18:22
